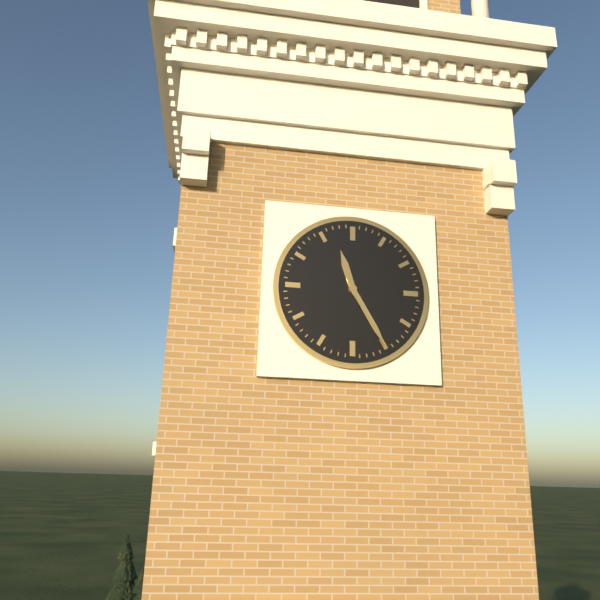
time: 11:25
